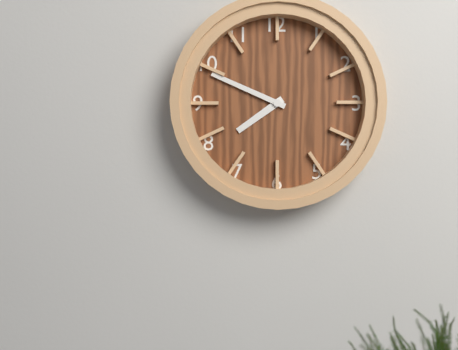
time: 7:49
